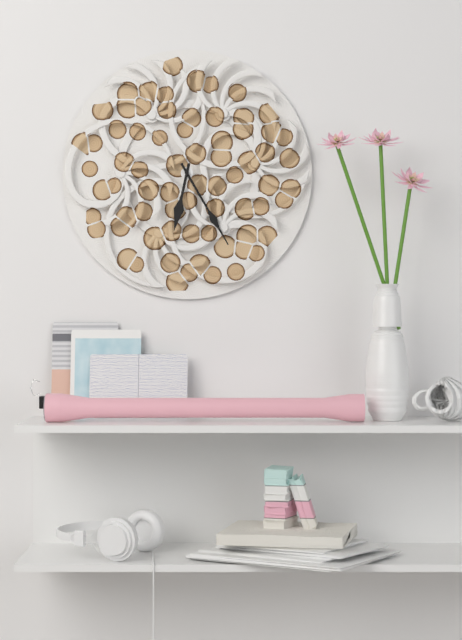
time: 6:25
